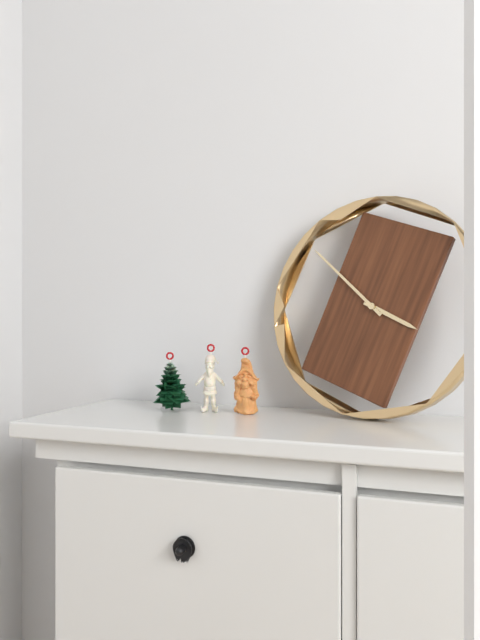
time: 3:52
